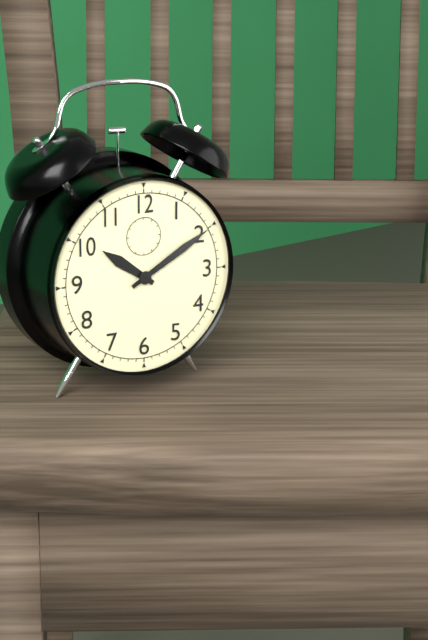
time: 10:10
